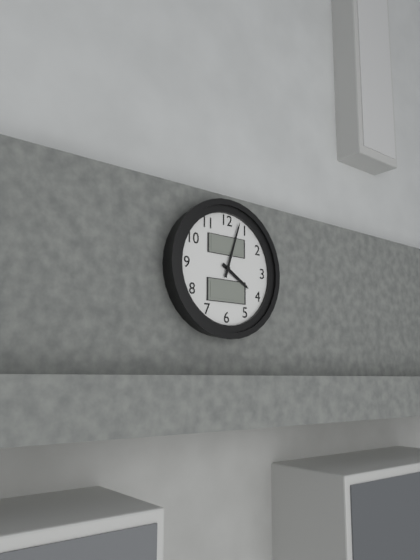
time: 4:03
